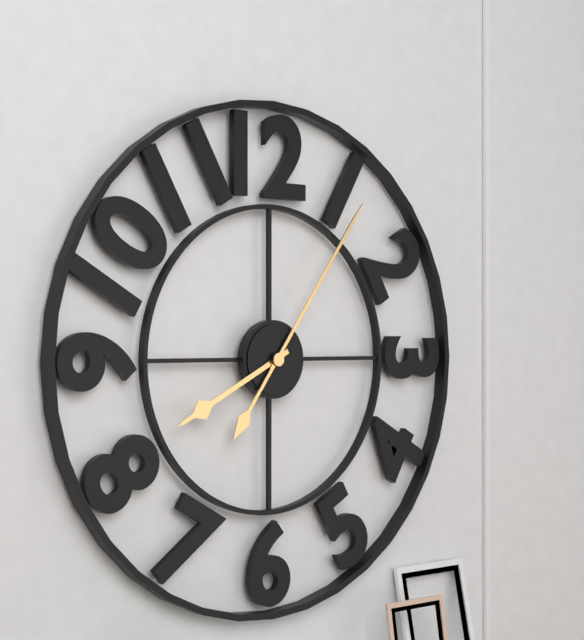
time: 8:06
